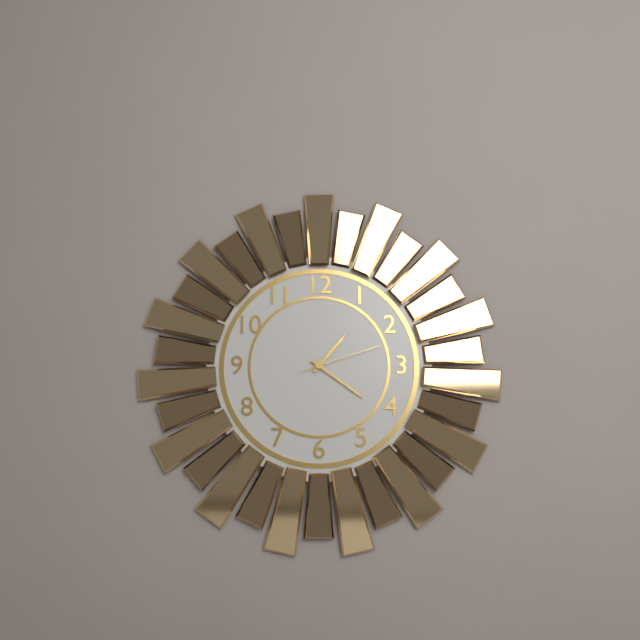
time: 1:21:12
